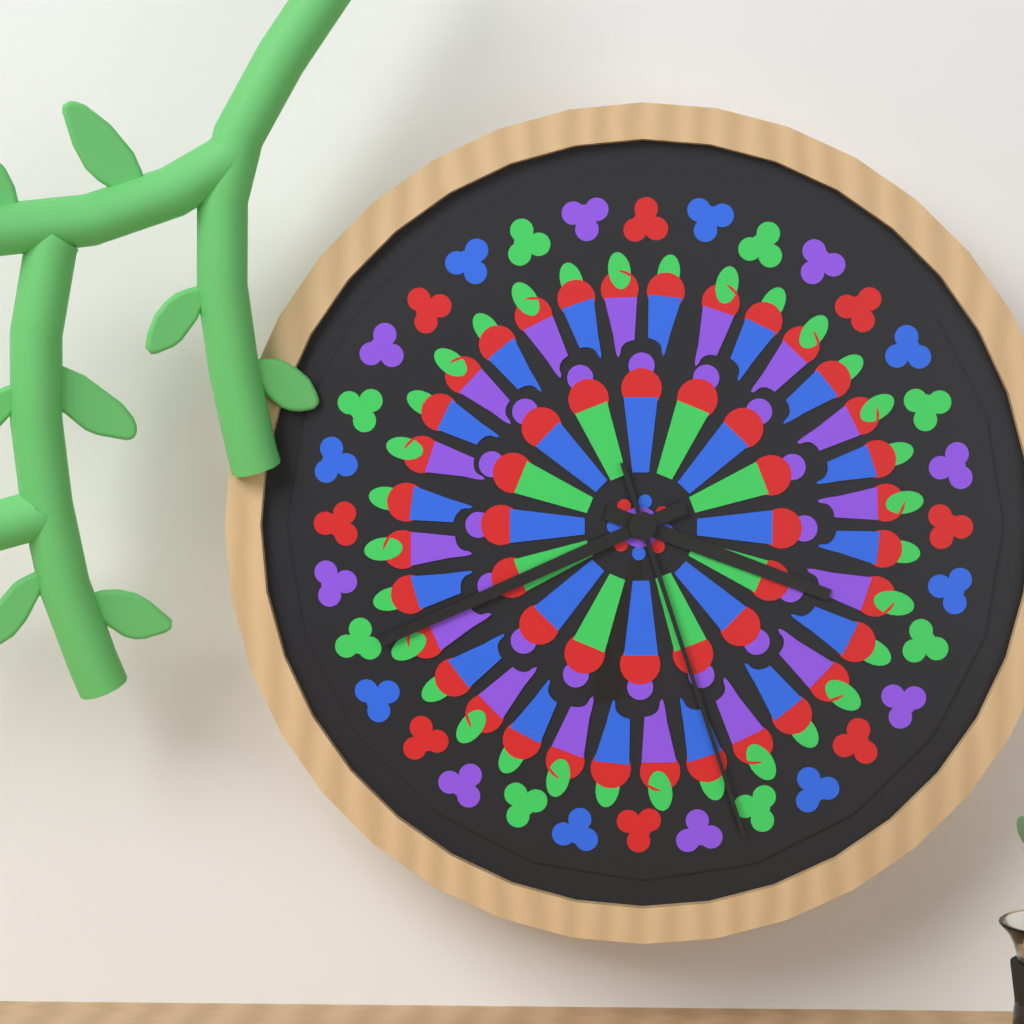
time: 3:41:27
